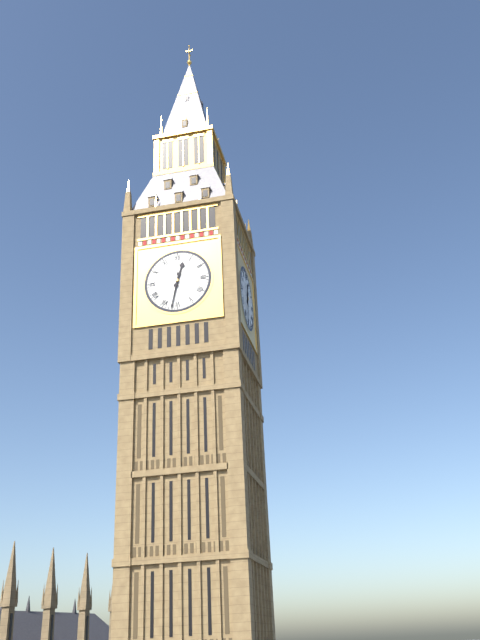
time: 12:32
